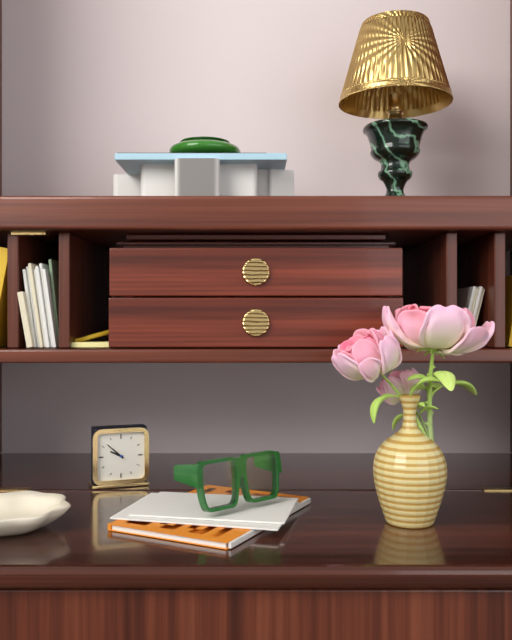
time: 9:52
